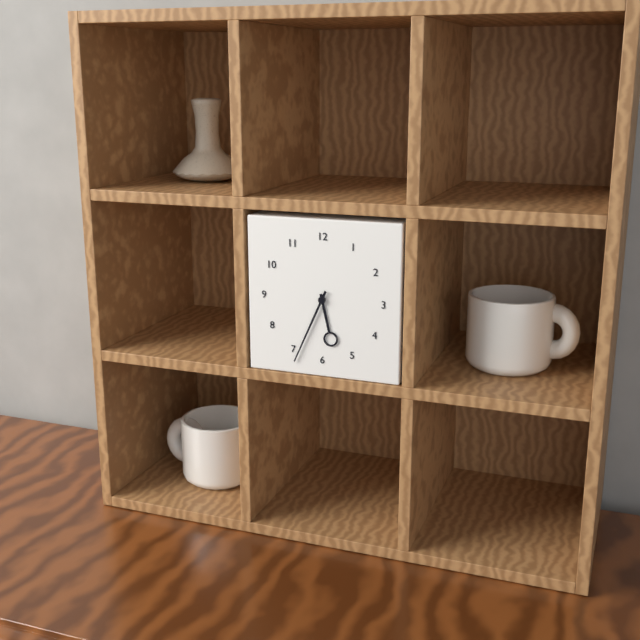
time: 5:34
